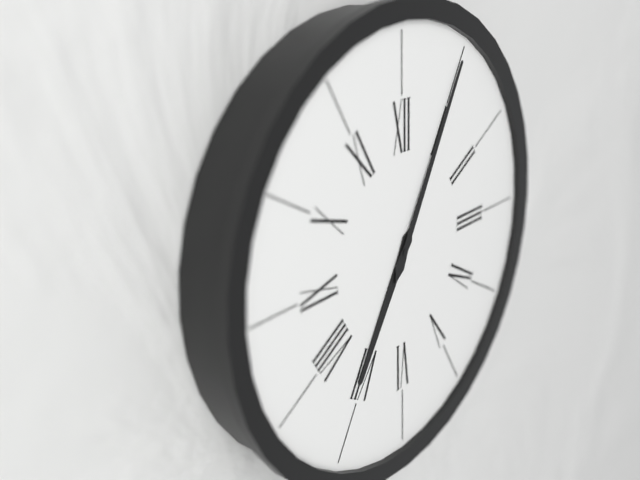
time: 7:05
